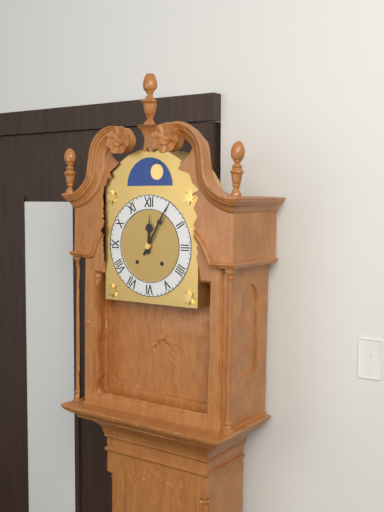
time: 12:05
